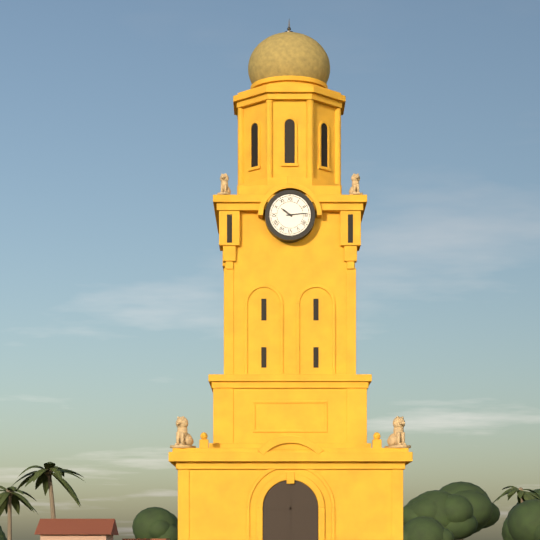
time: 10:14
